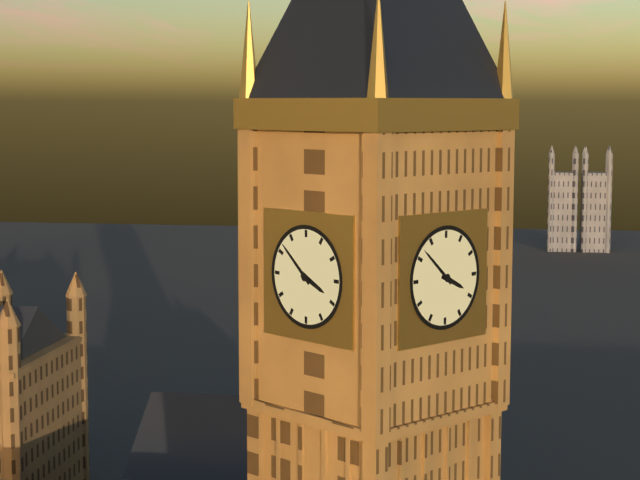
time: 3:52
